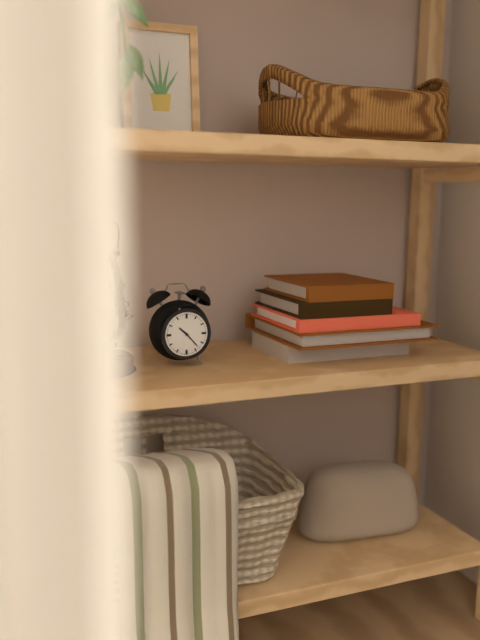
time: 10:23
